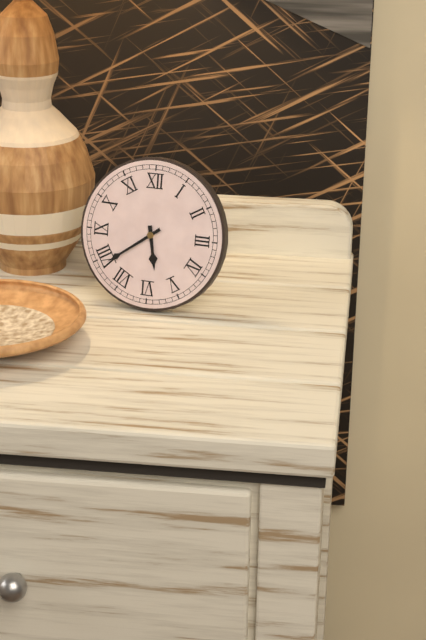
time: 5:39
